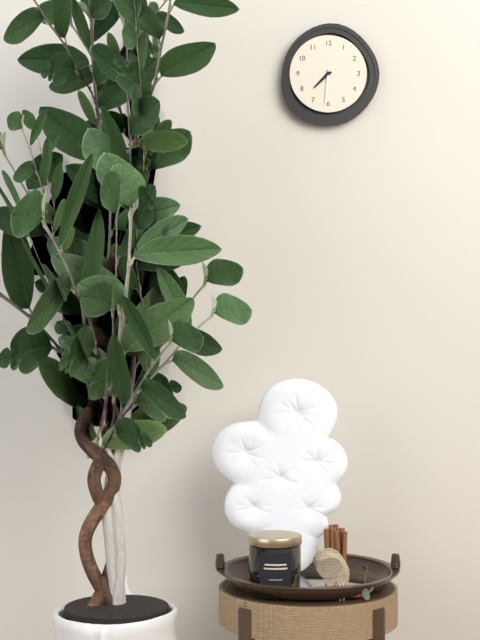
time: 7:31
